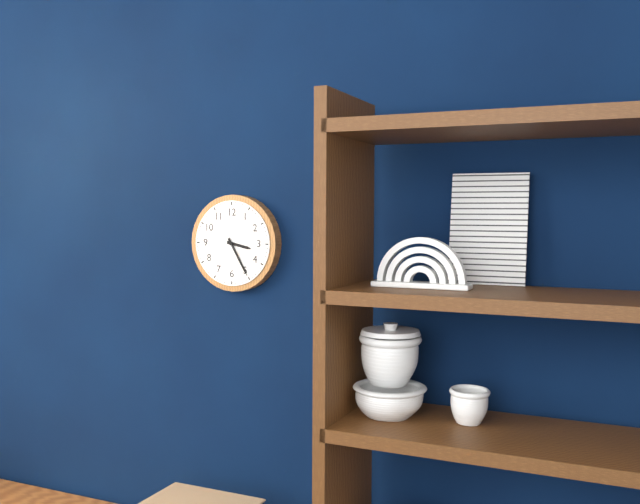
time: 3:25
